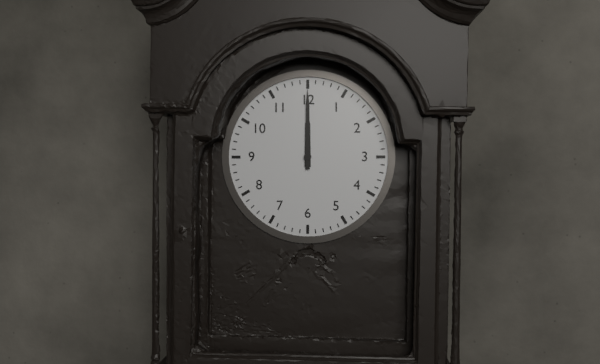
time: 12:00
